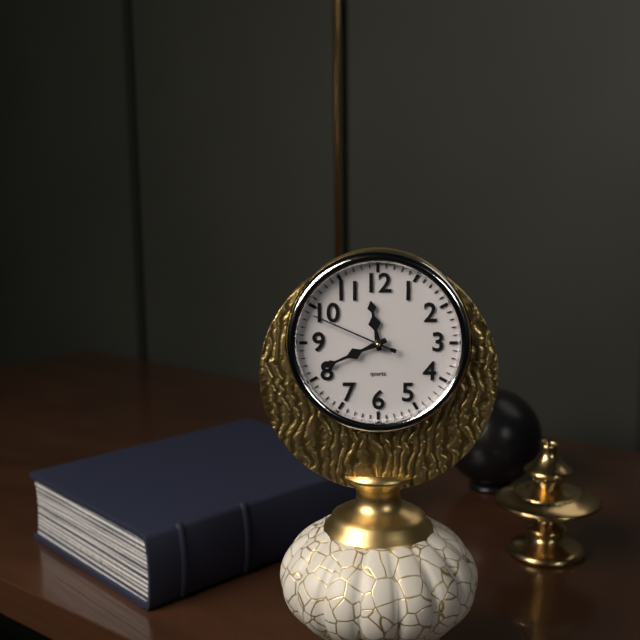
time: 11:41:49
